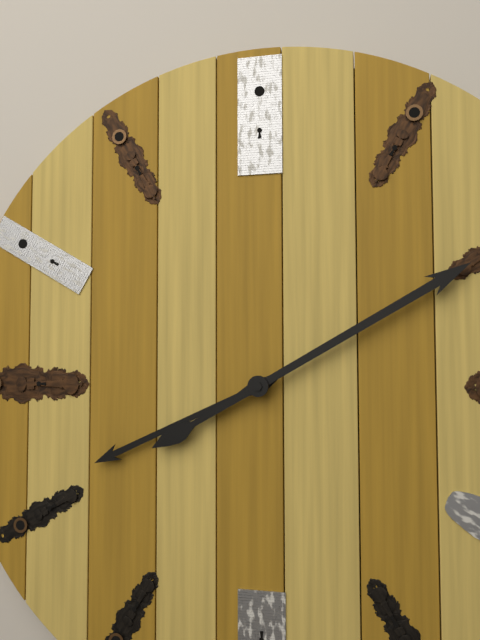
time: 8:10
